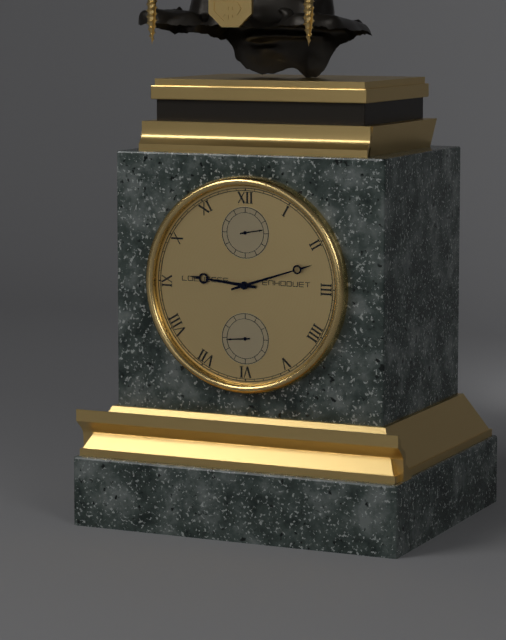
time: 9:12
